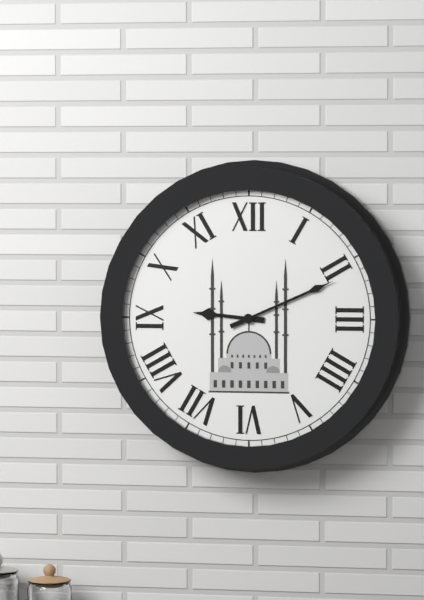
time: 9:11
